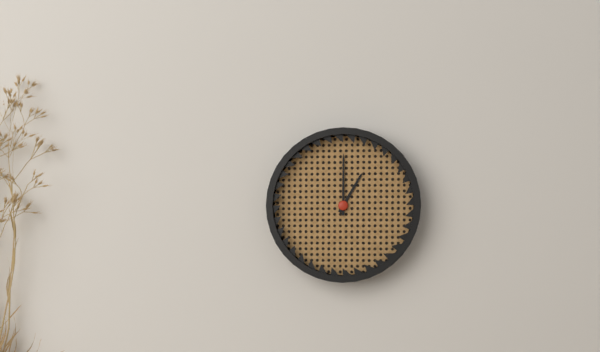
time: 1:00
